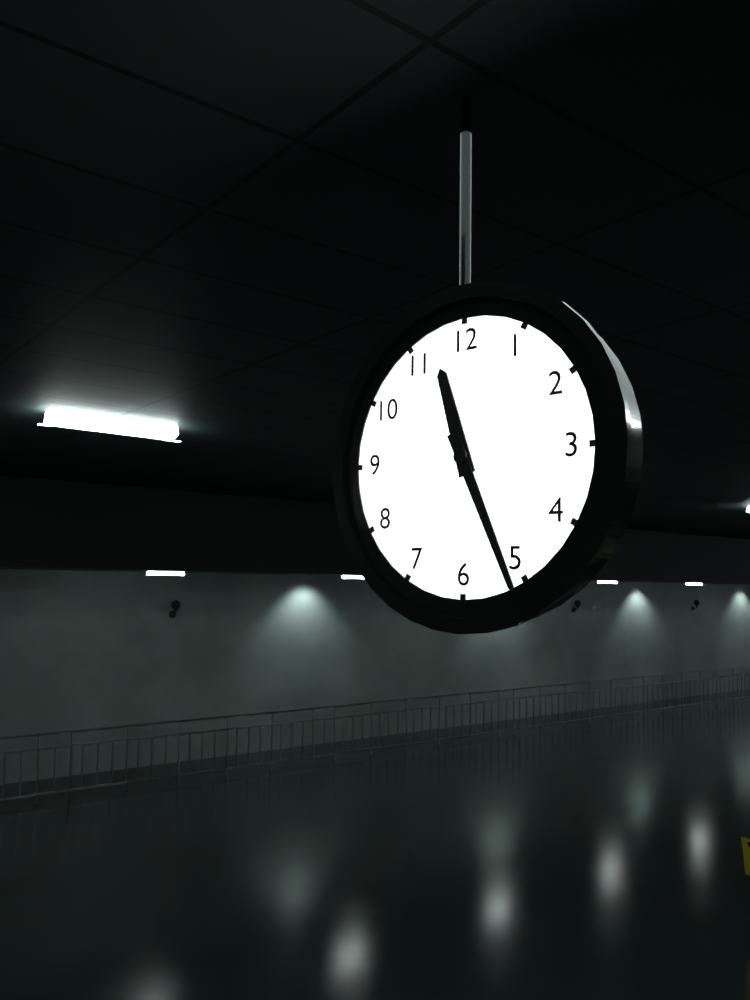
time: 11:26
